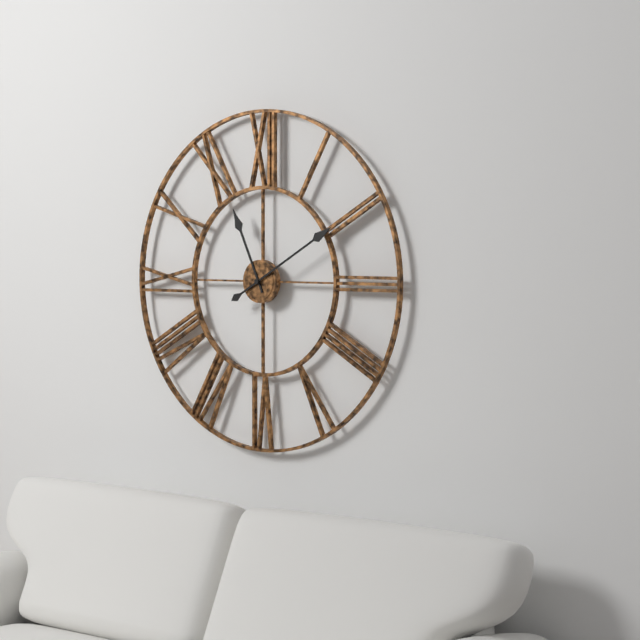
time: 11:10
